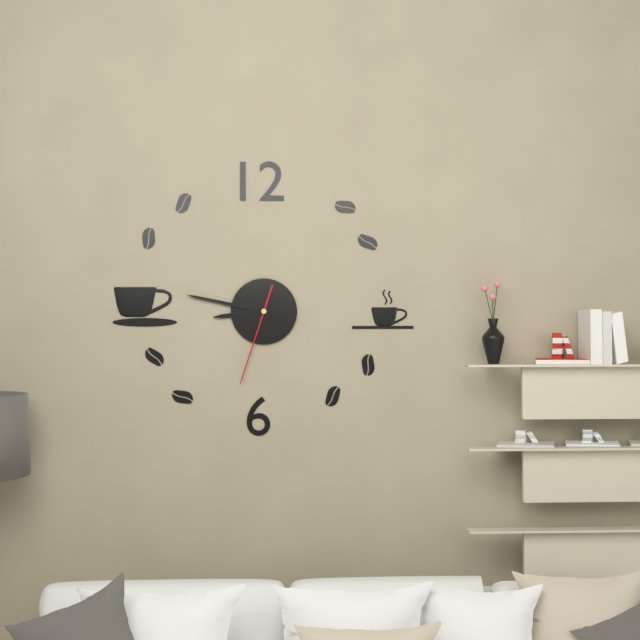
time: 8:47:33
